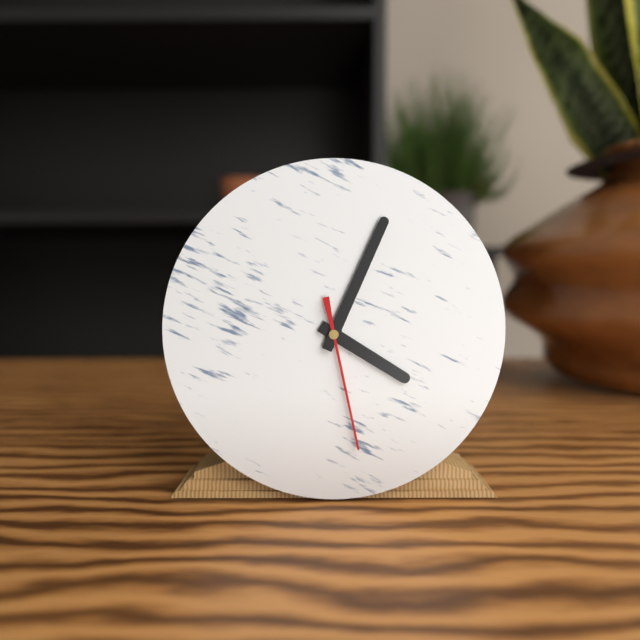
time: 4:04:28
